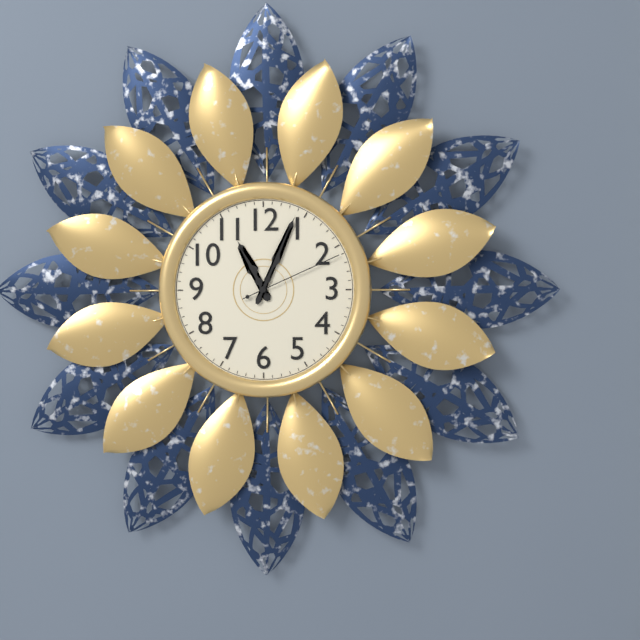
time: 11:04:11
